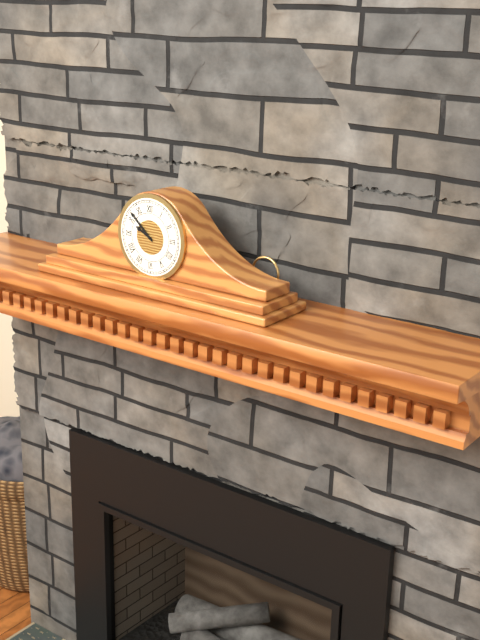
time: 9:52
